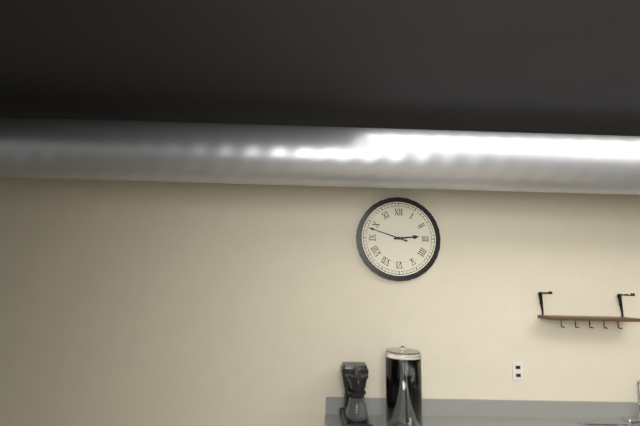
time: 2:48
